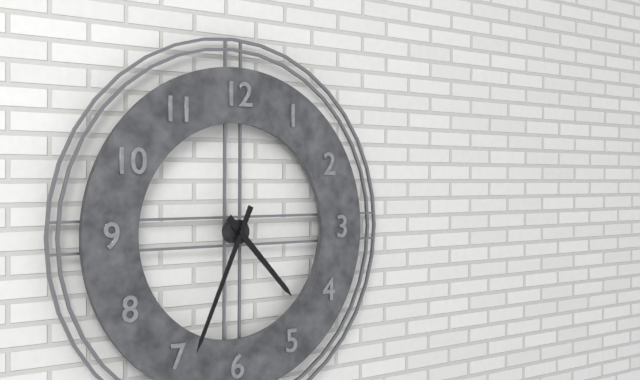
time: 4:34
